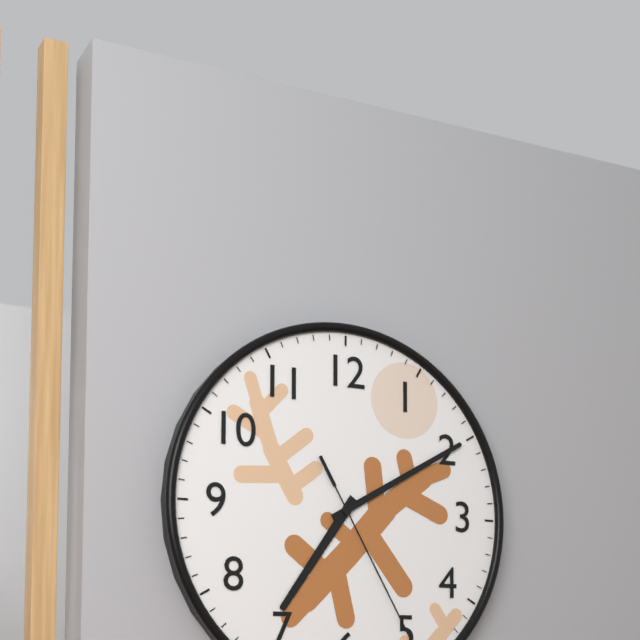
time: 7:10
